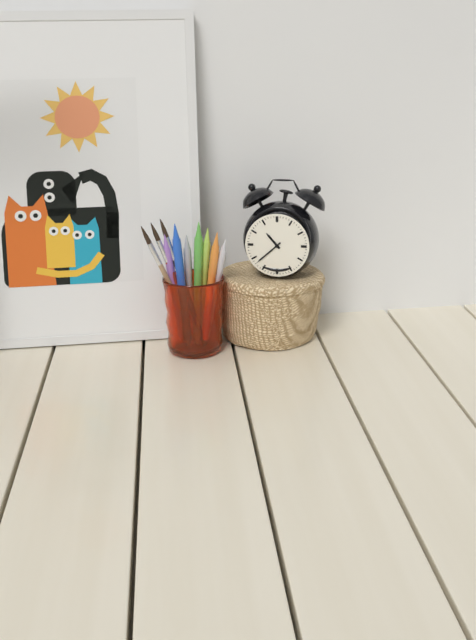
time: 10:38
